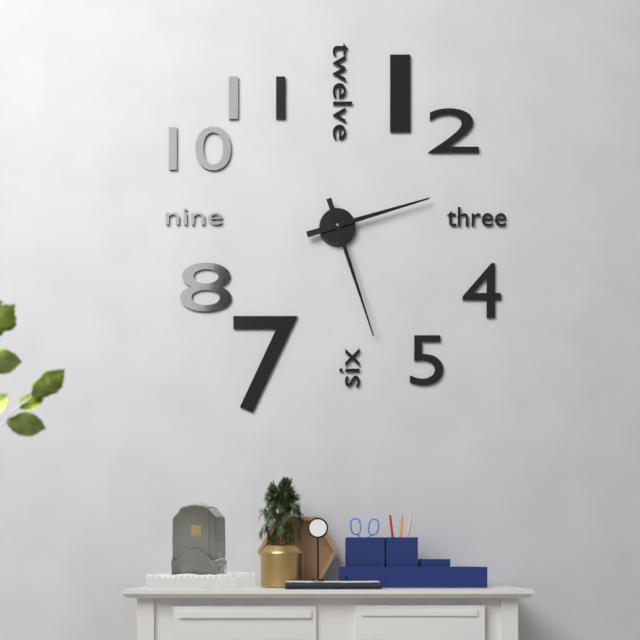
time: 2:27
